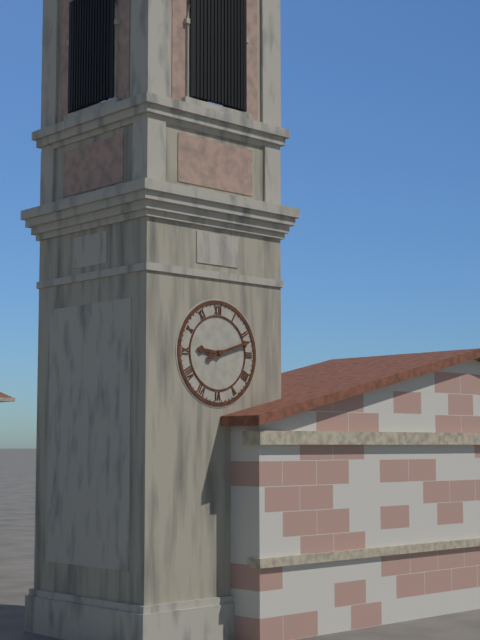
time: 9:12
